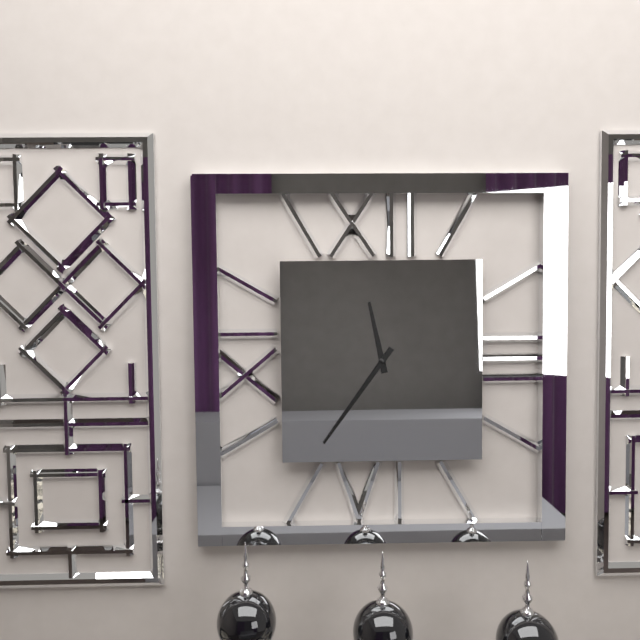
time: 11:36
